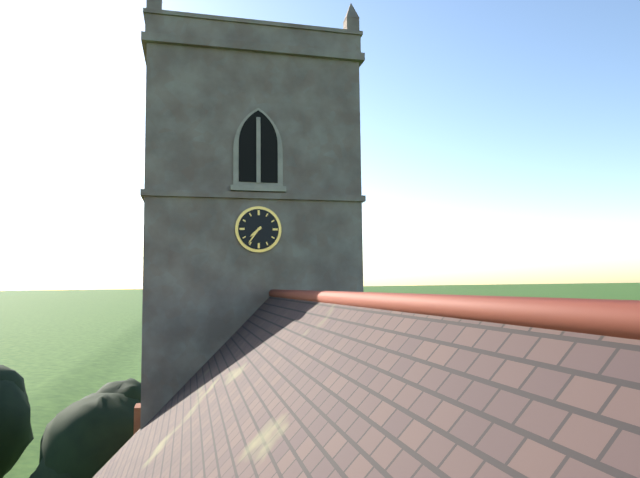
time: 7:36
